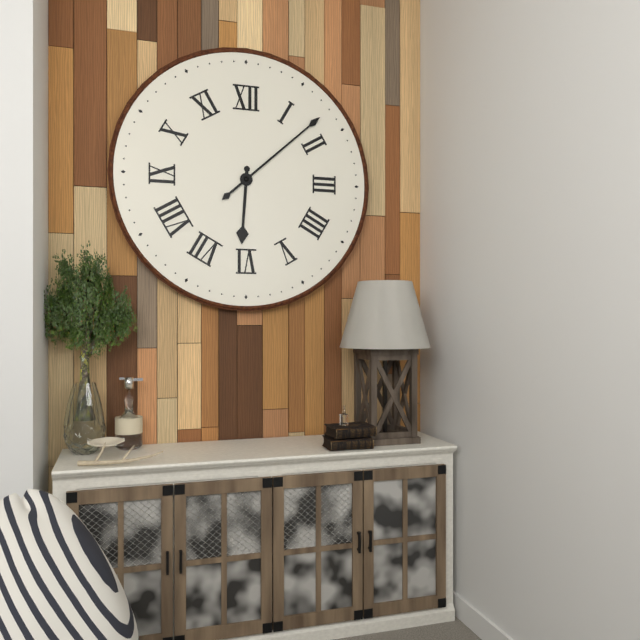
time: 6:08
